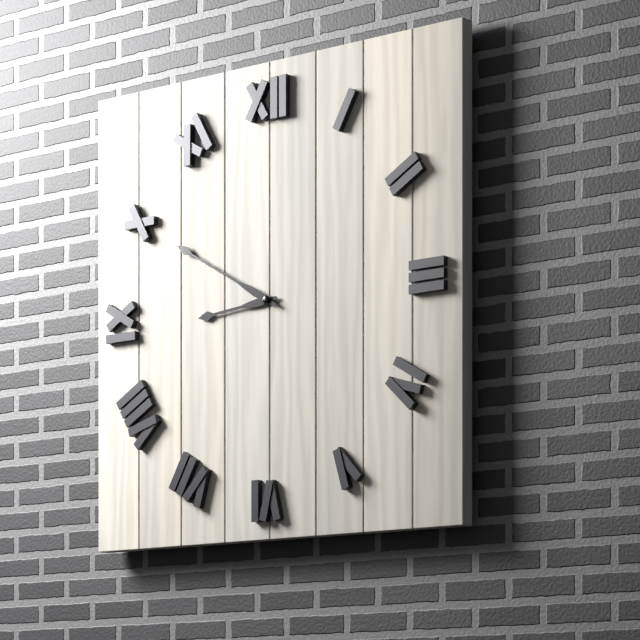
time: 8:50
